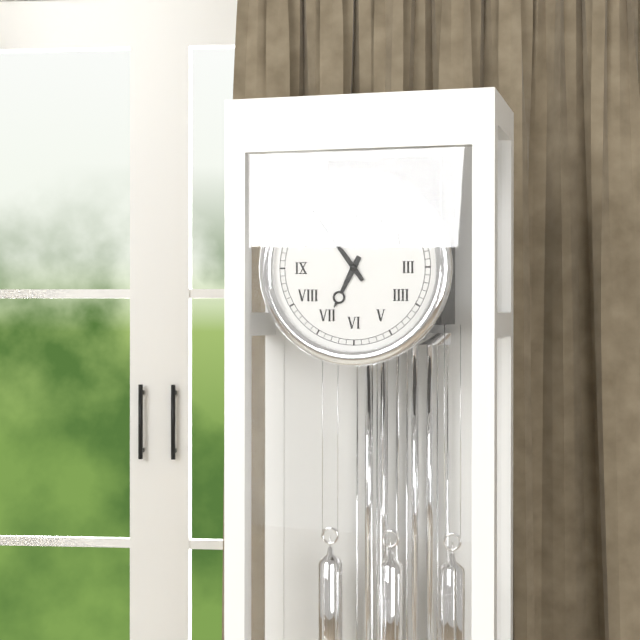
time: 6:54
